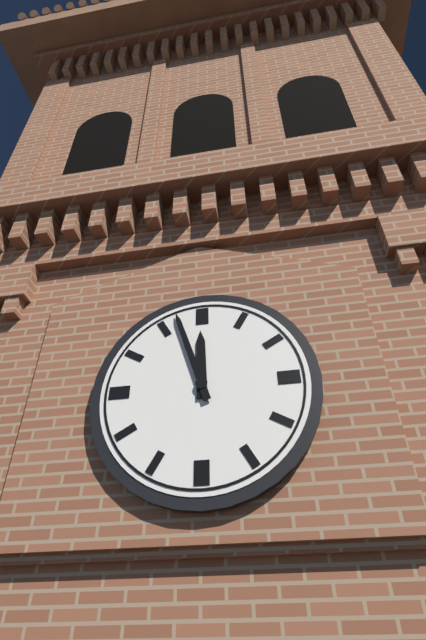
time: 11:57
